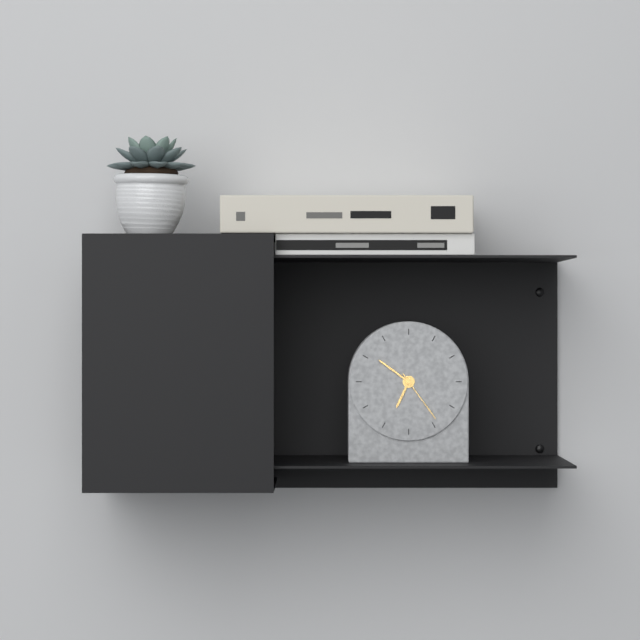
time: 6:51:24
